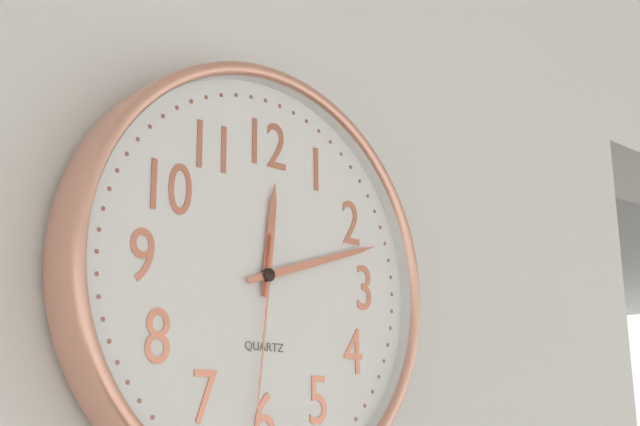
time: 12:12
